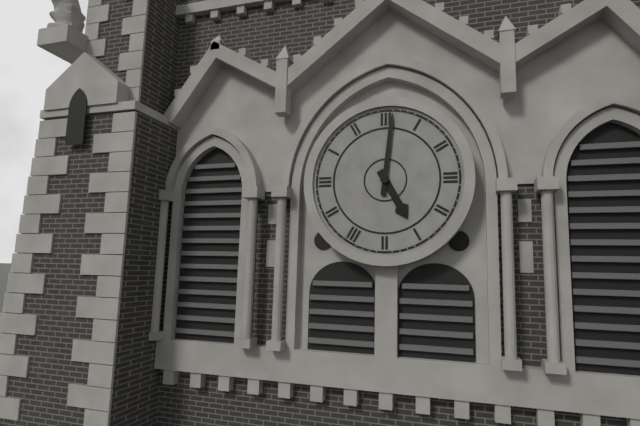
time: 5:01
